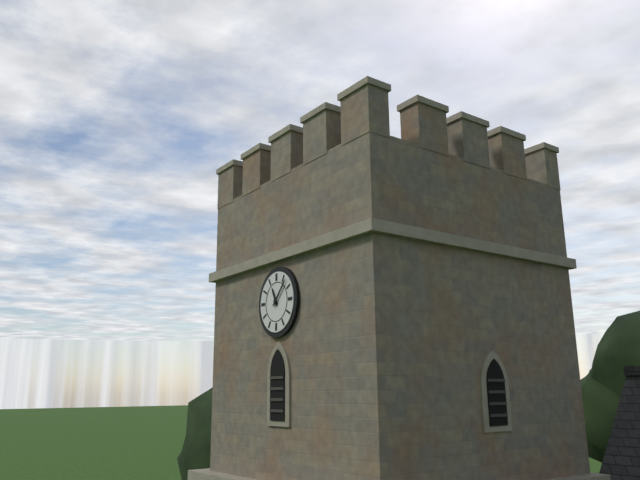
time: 11:07
